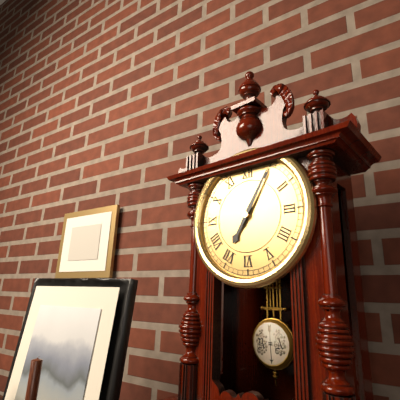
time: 7:05
